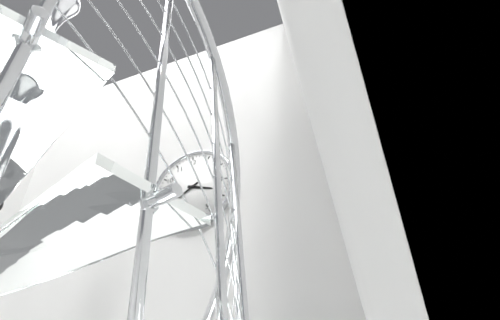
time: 3:40
